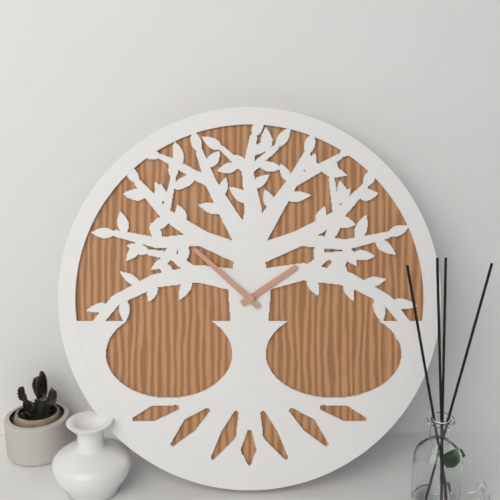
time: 1:52
